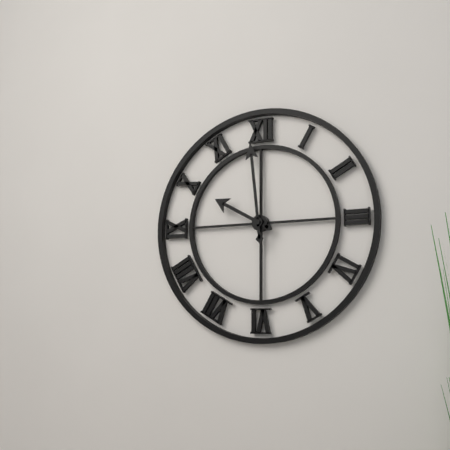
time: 9:59
